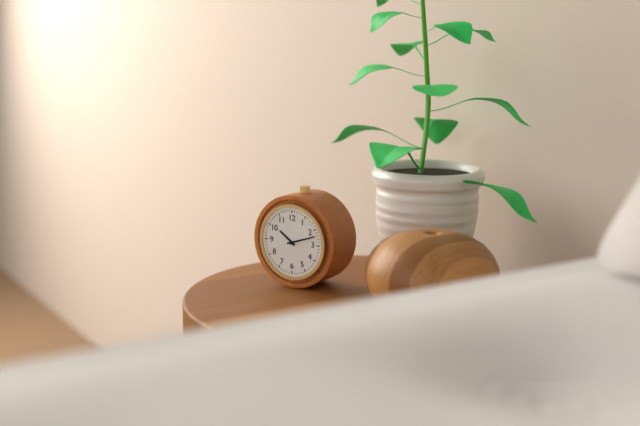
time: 10:12
